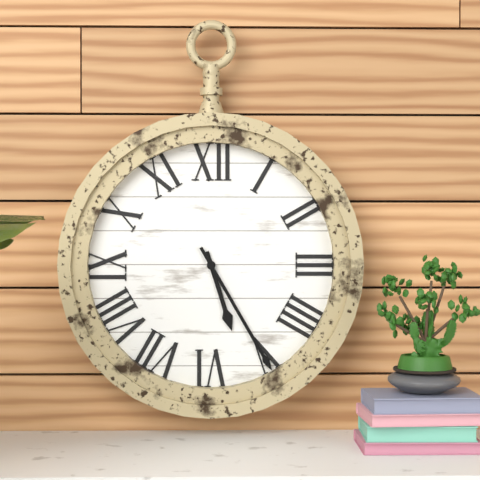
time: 5:25
